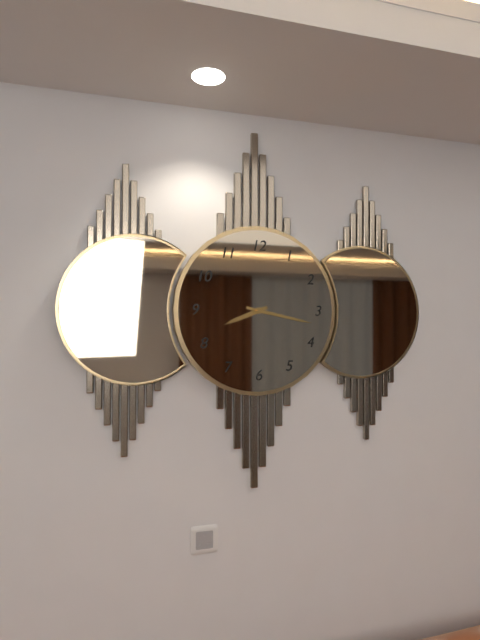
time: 8:17
